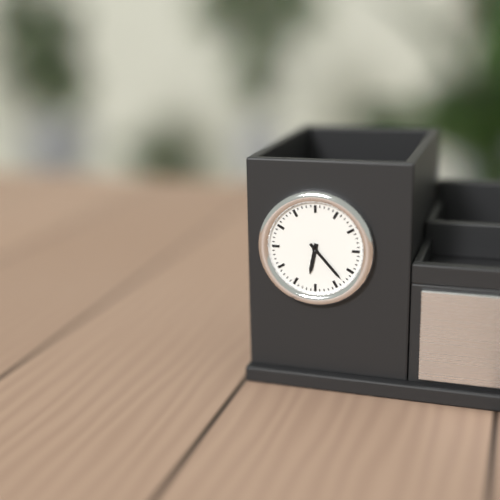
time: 6:23
